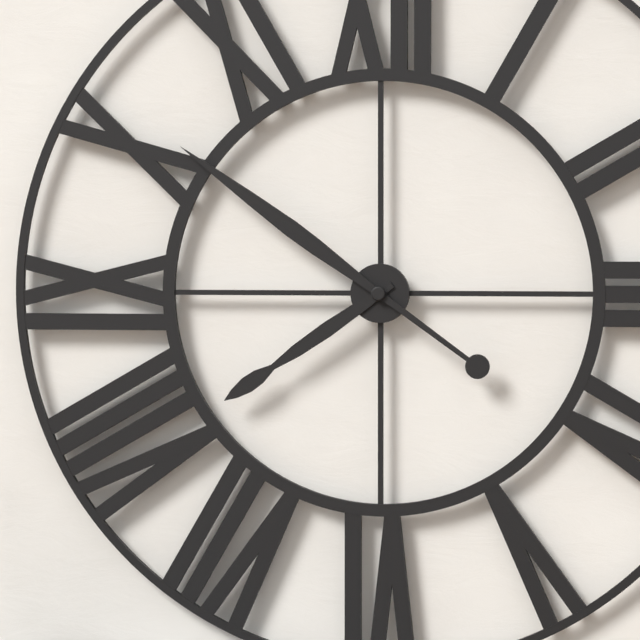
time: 7:51
